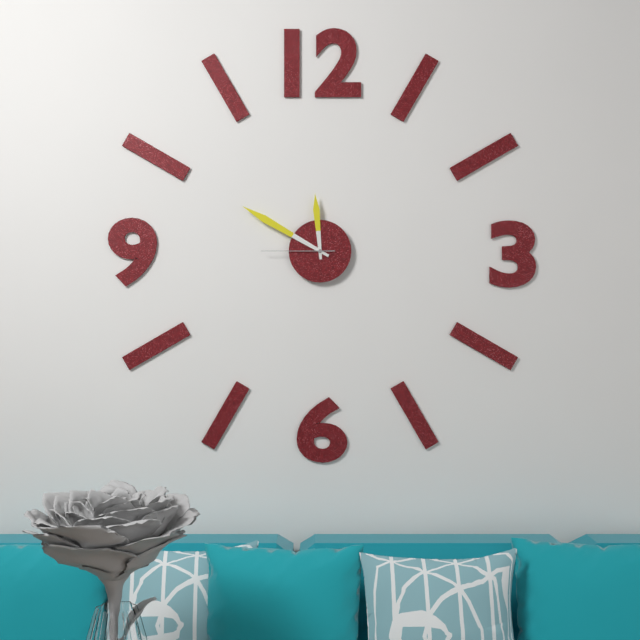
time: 11:50:45
